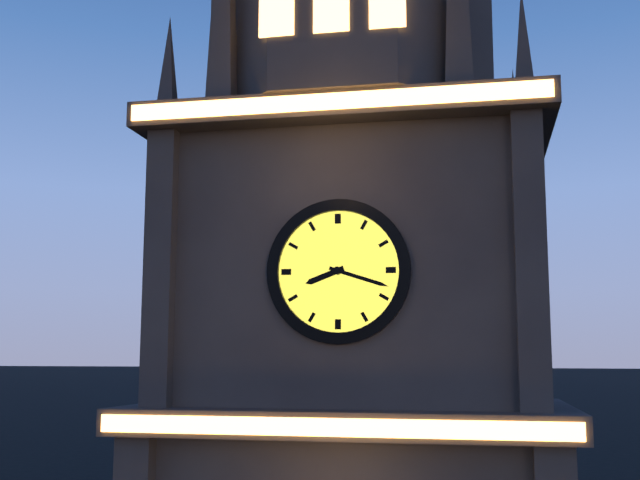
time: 8:18
